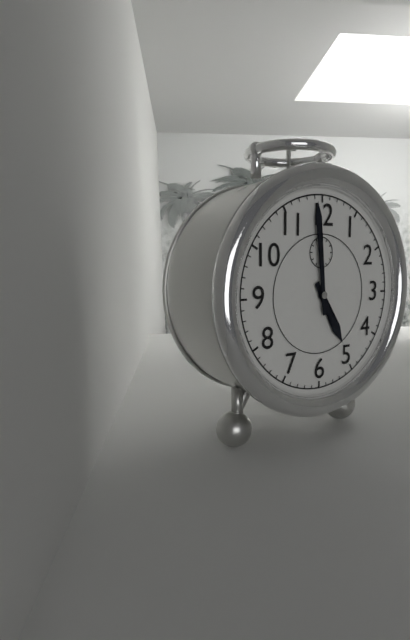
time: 4:59
